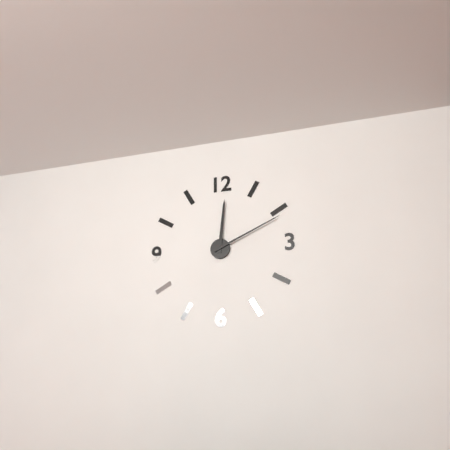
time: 12:11
